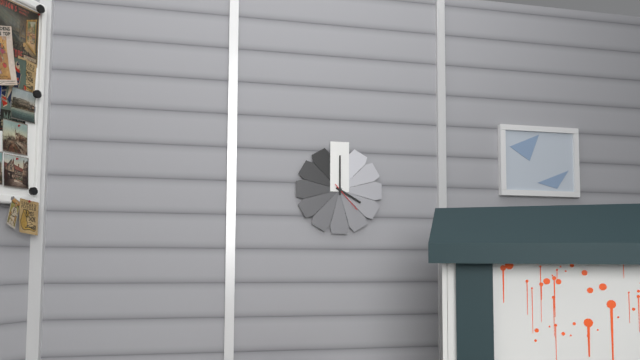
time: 4:00
